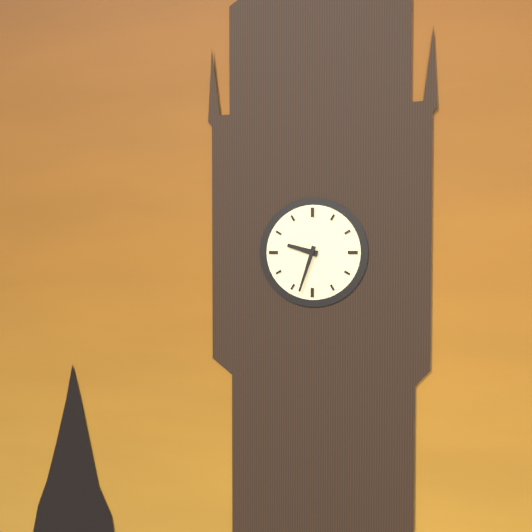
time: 9:33
